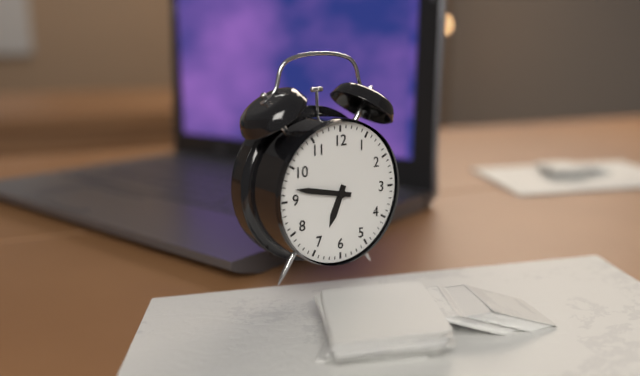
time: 6:47
